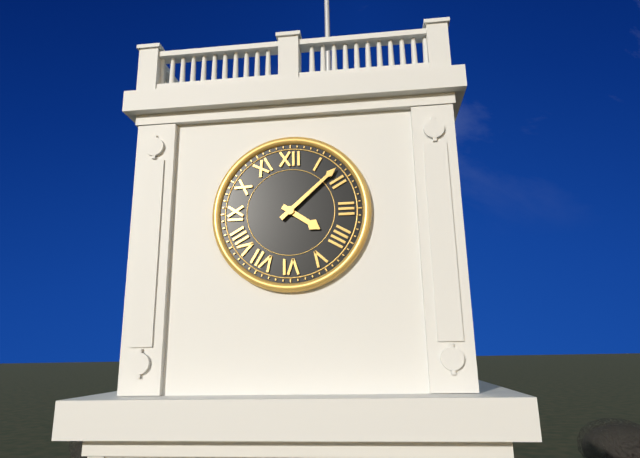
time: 4:08
